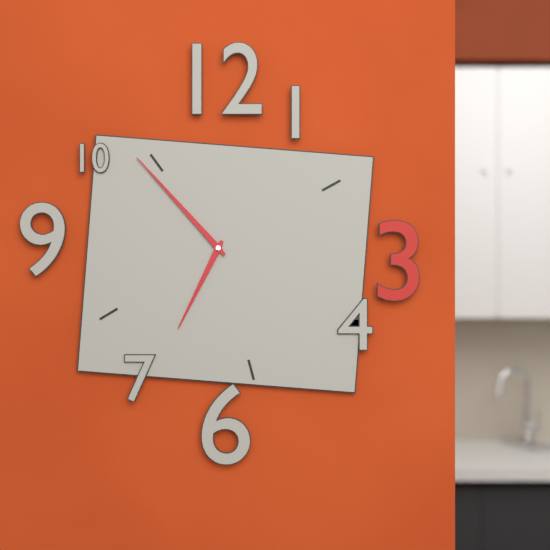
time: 6:53
